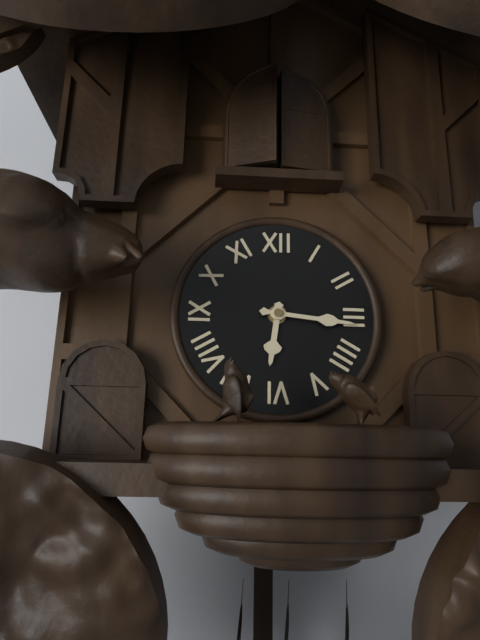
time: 6:16
